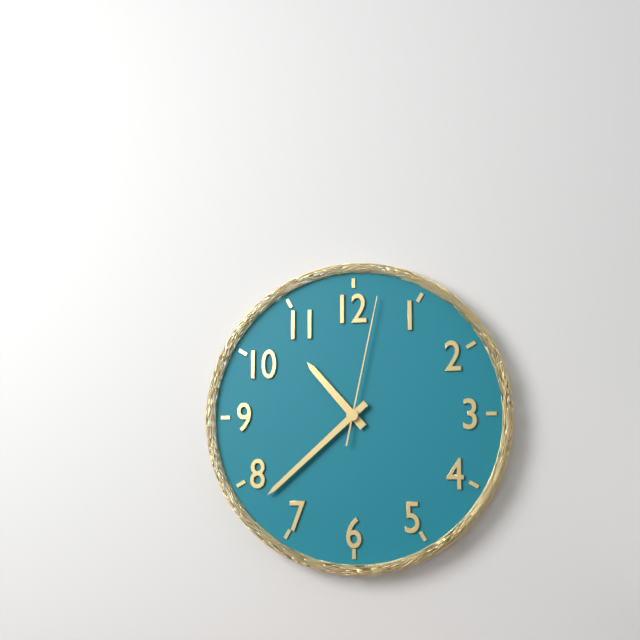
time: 10:38:02
